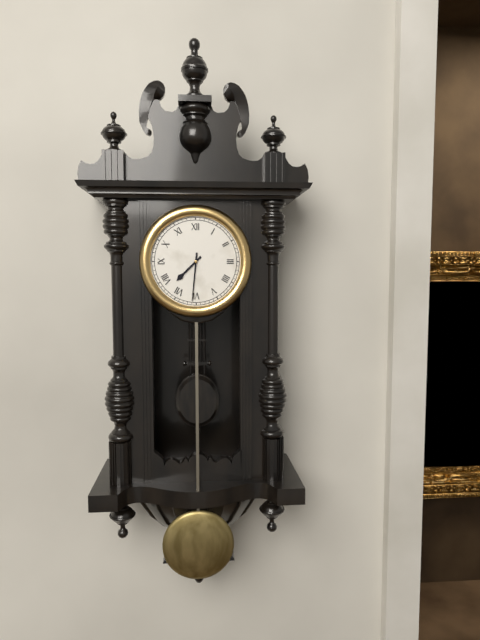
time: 7:31
